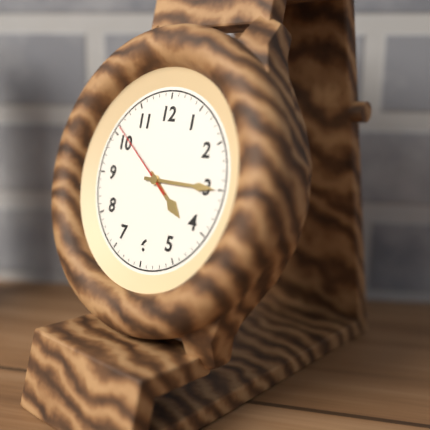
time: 4:15:51
